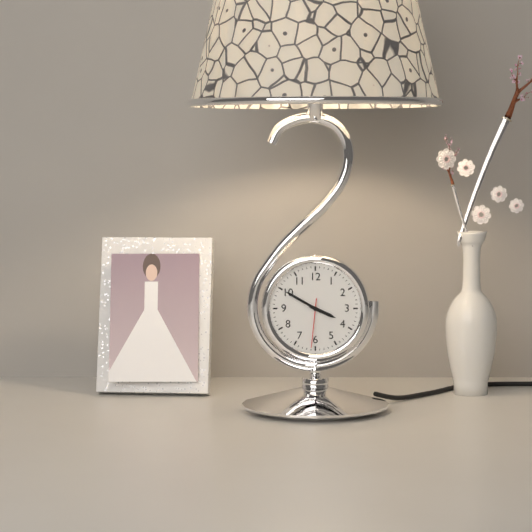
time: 3:50
